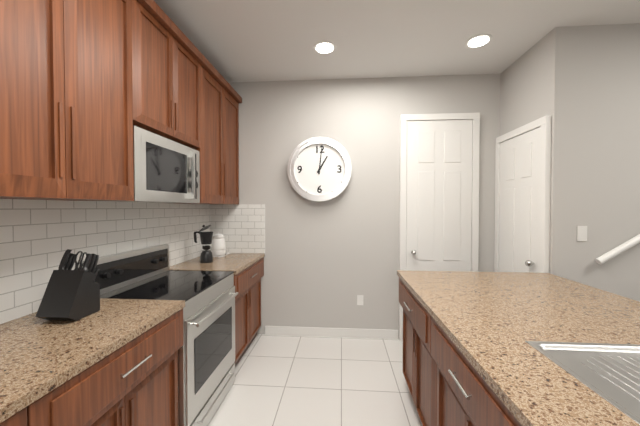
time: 1:01
